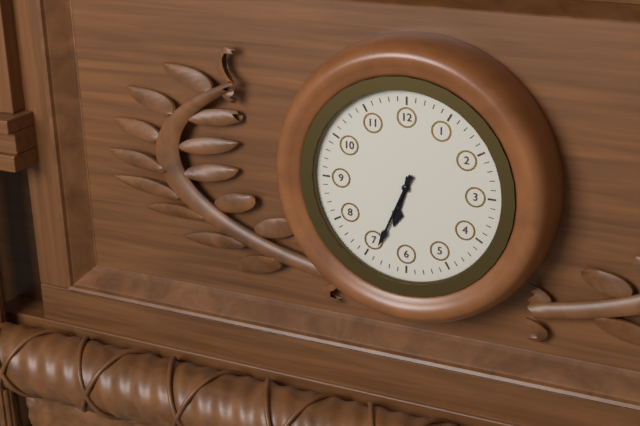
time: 6:34
